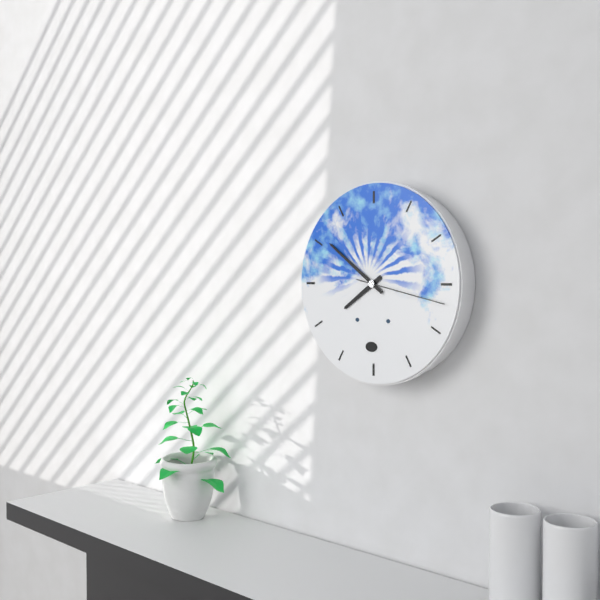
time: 7:51:17
